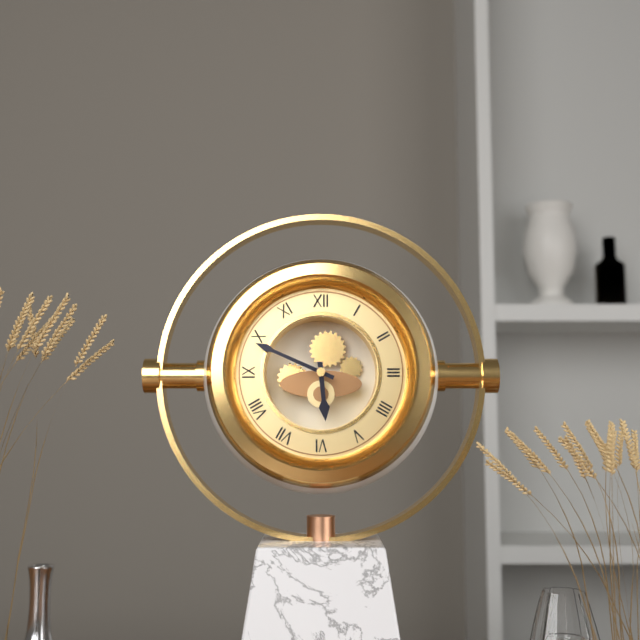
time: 5:49
